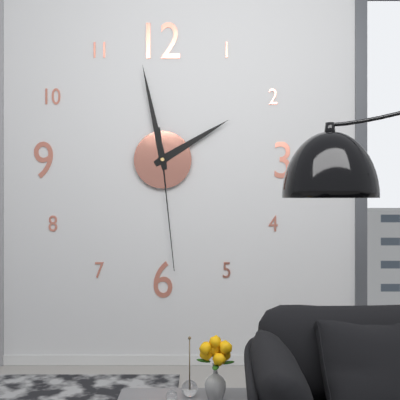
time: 1:58:29
